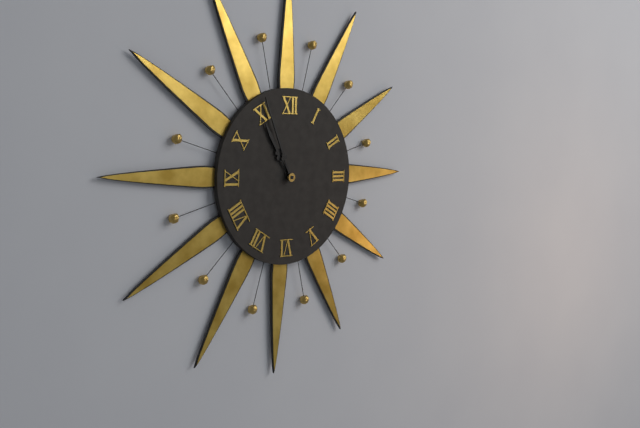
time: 10:56
